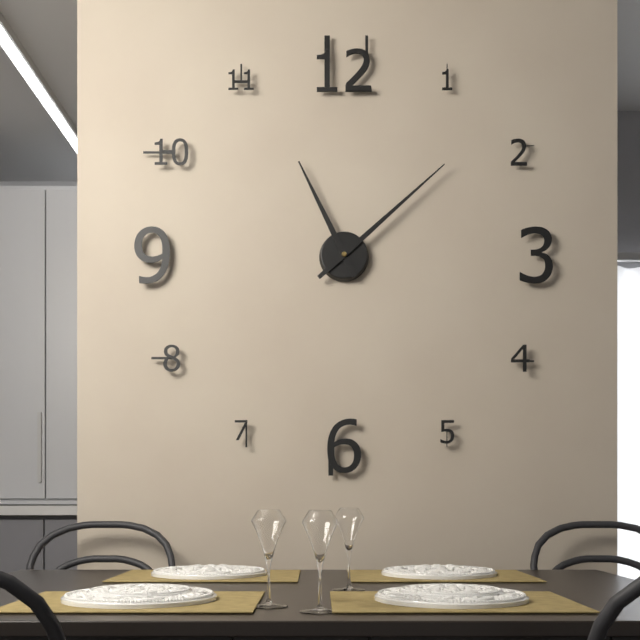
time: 11:08
